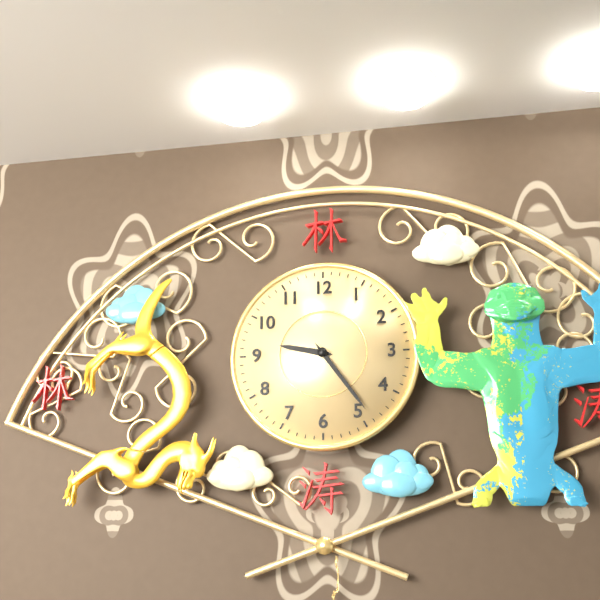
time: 9:24
